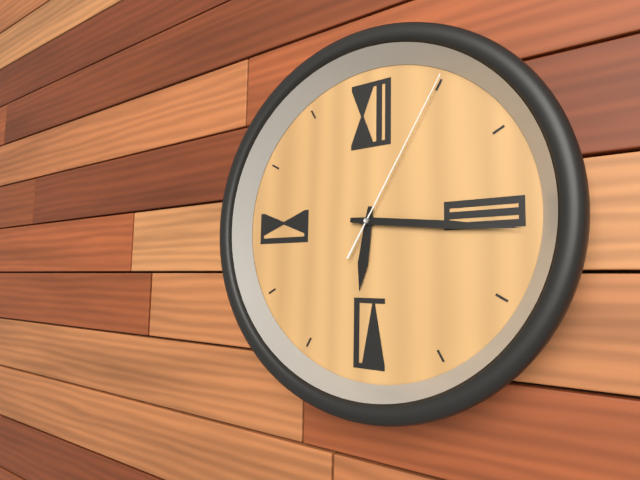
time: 6:16:05
